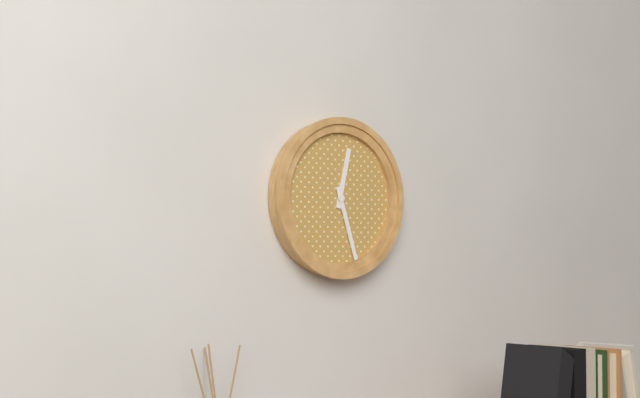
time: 12:27
